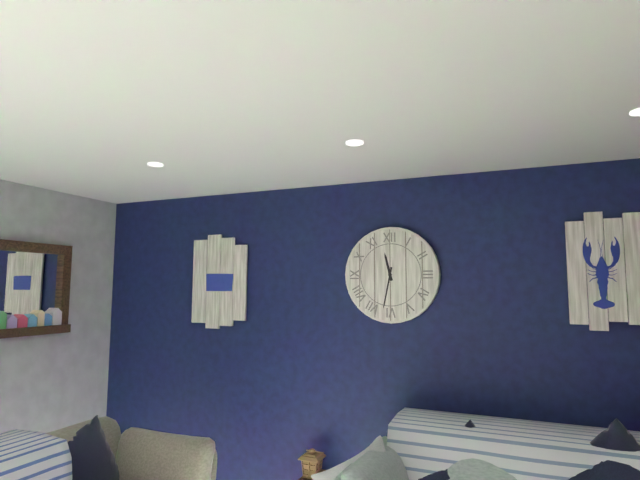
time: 11:32
